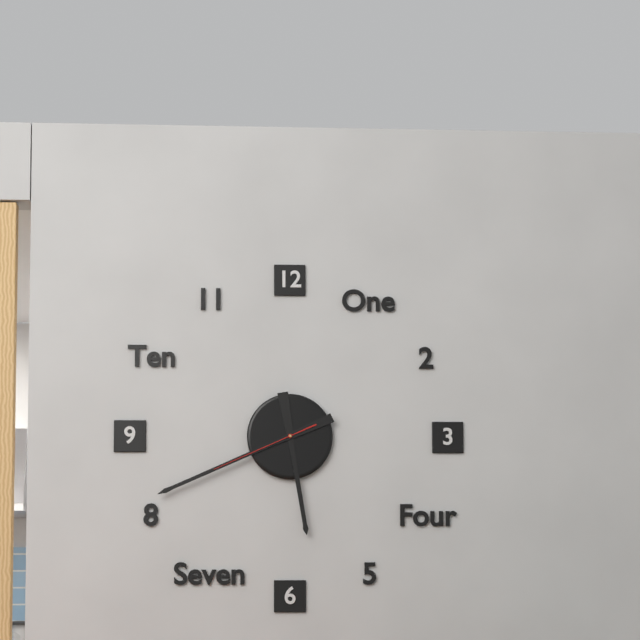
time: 5:41:41
